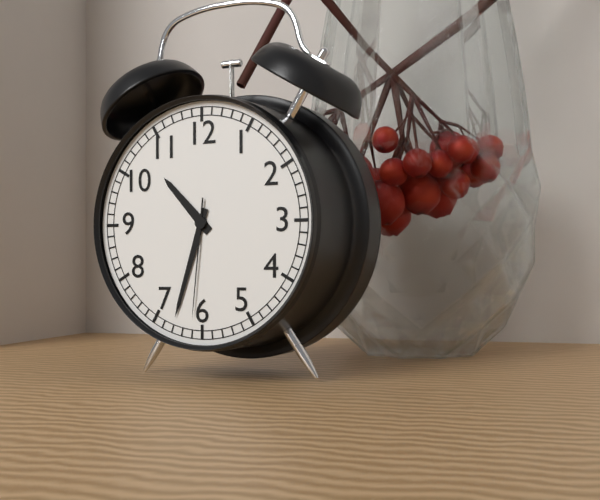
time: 10:33:31
